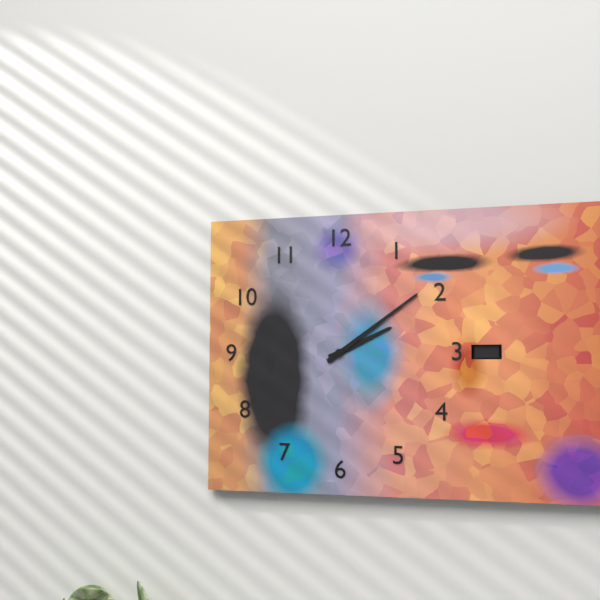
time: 2:09
